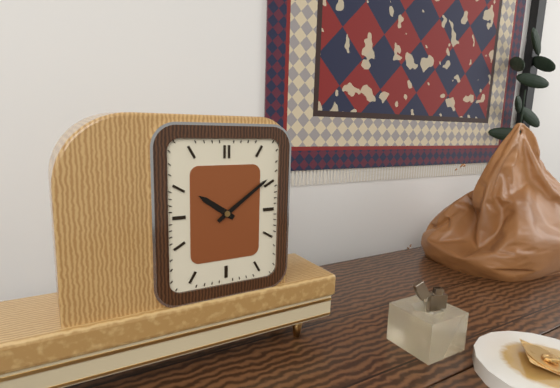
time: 10:09
